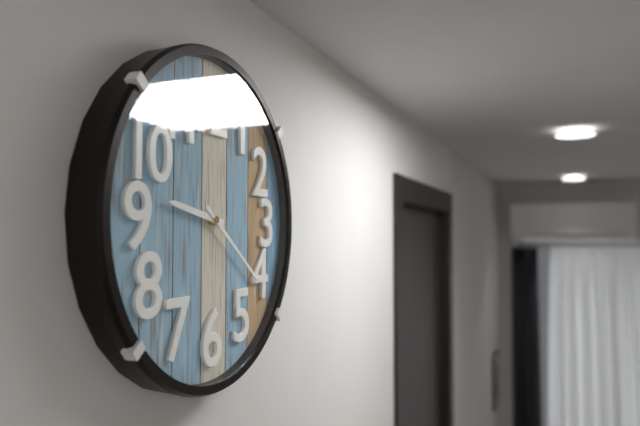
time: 9:21
